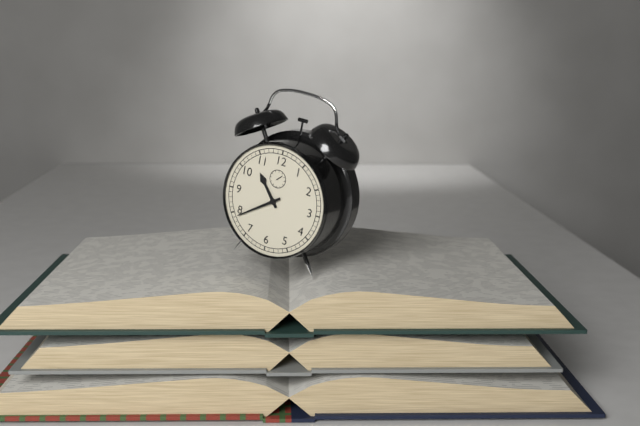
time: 10:39
